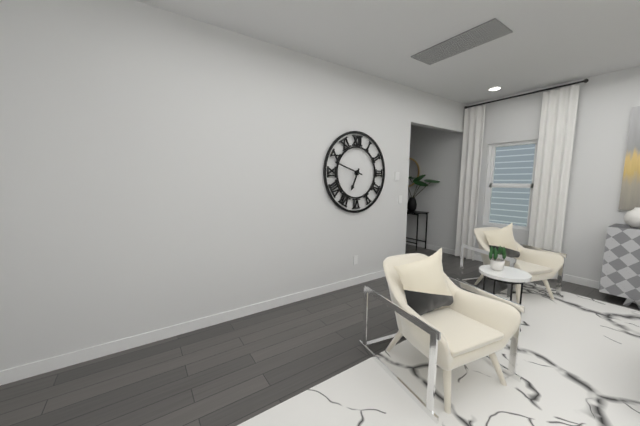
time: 6:48
